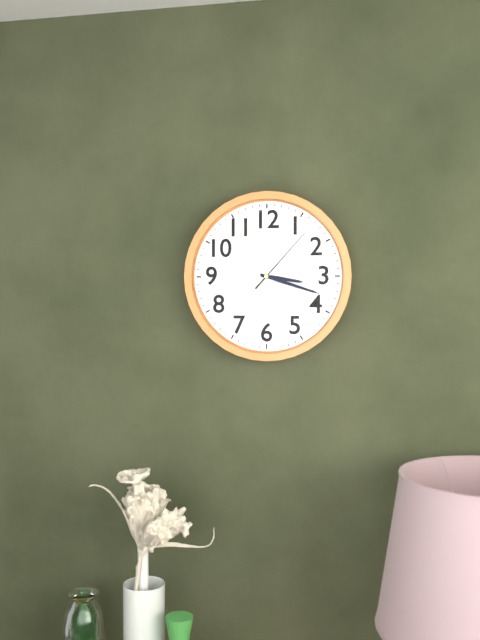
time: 3:18:07
